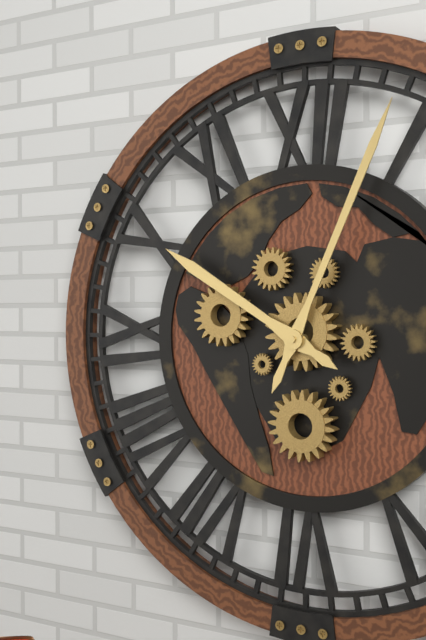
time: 10:04
